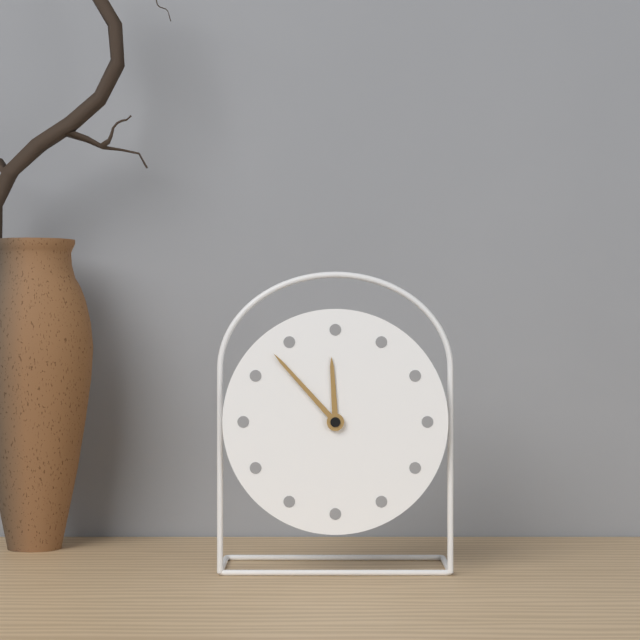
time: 11:53
